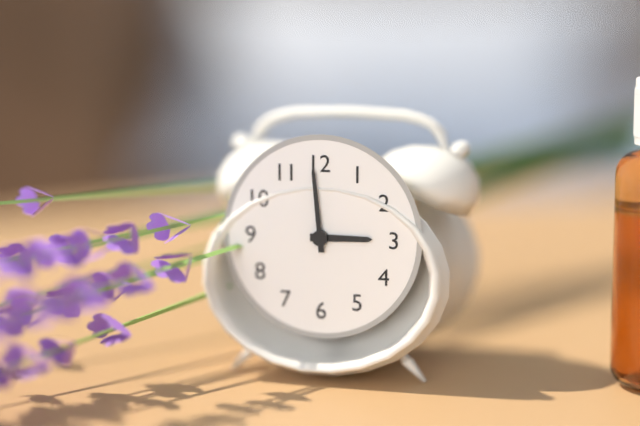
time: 2:59
